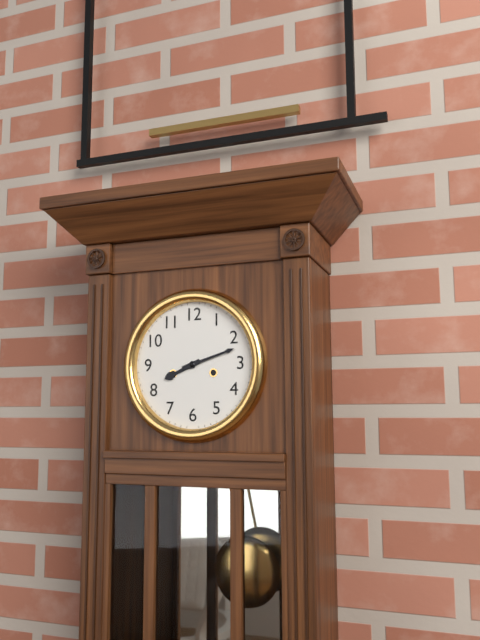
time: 8:12
